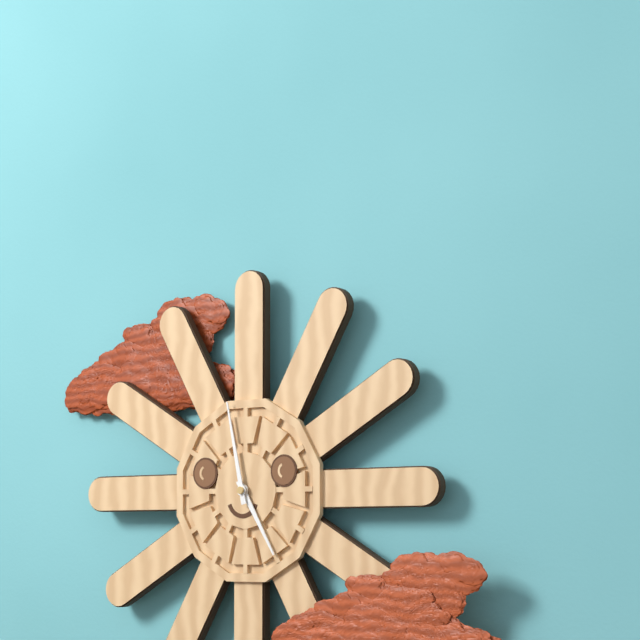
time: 4:58
